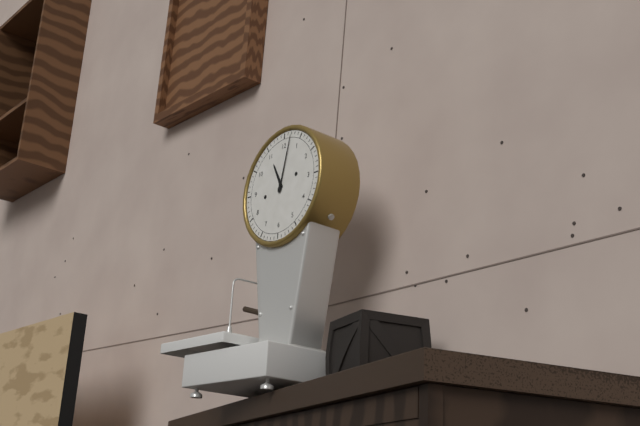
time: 11:02
